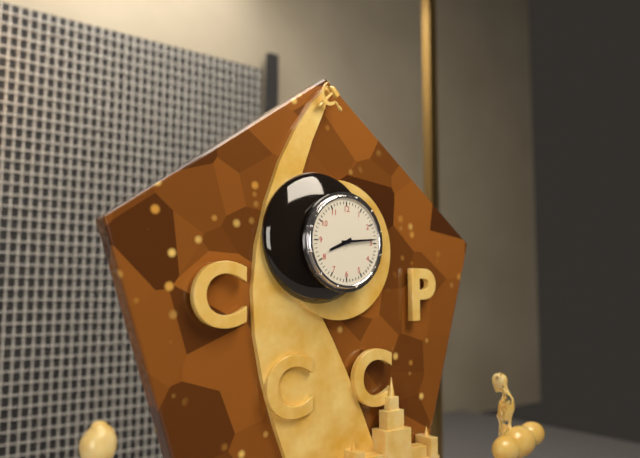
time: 8:14
